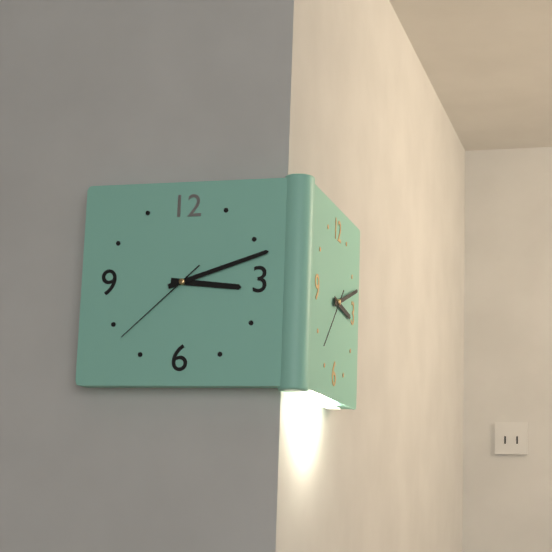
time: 3:12:38
